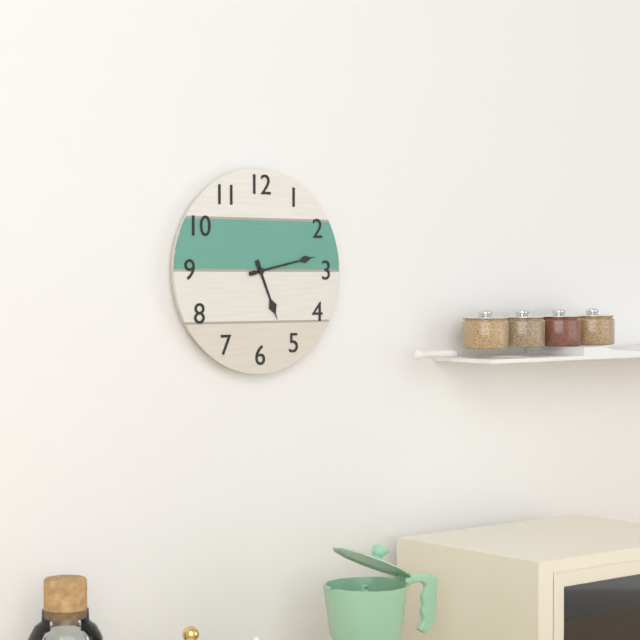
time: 5:13
